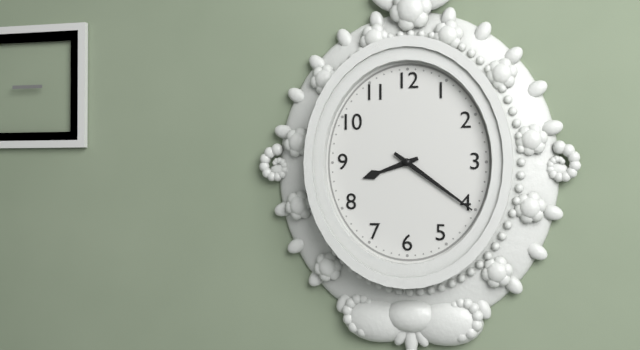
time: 8:21
